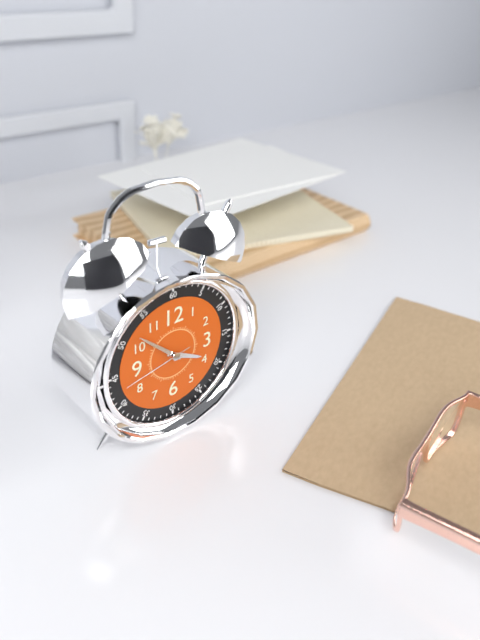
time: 3:52:43
